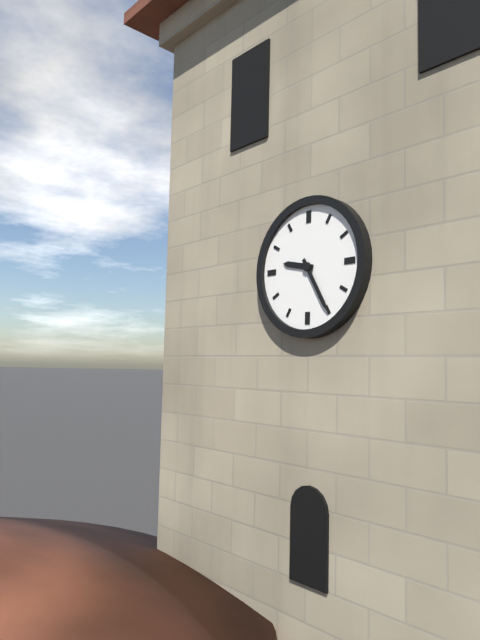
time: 9:25
